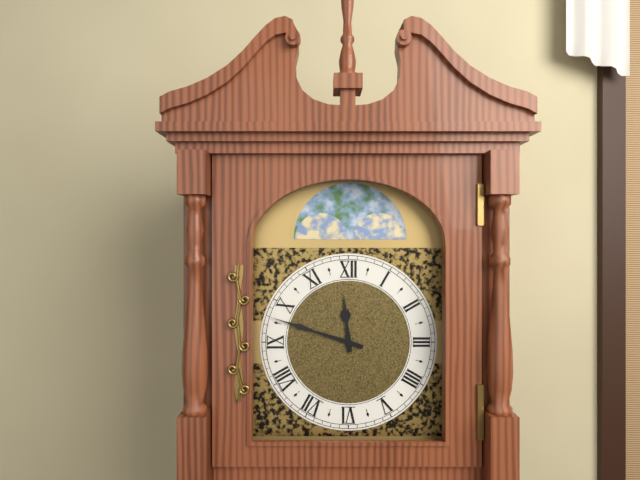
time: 11:48
